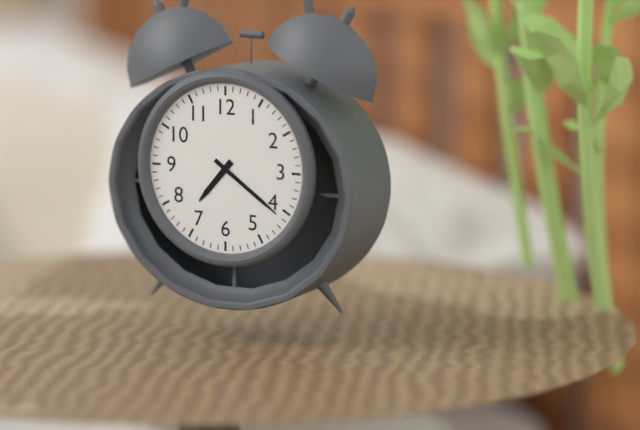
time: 7:21
